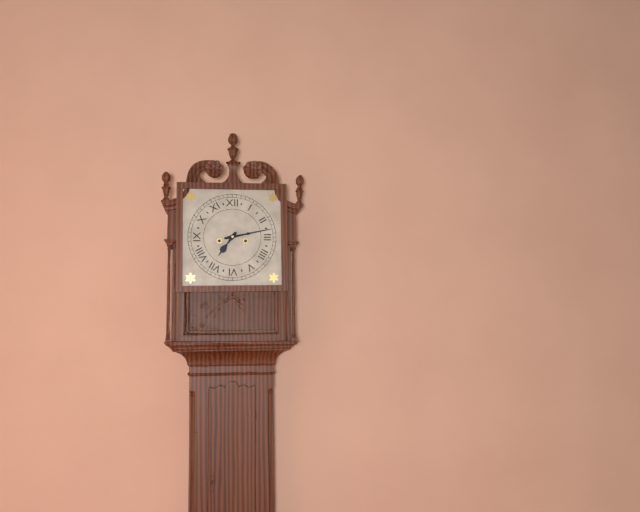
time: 7:13
